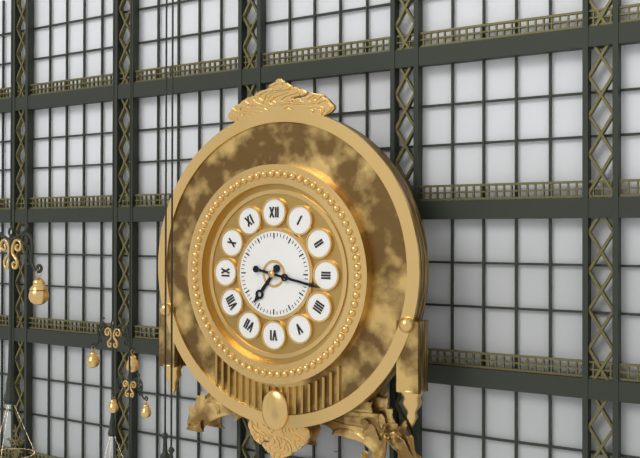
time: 7:17
